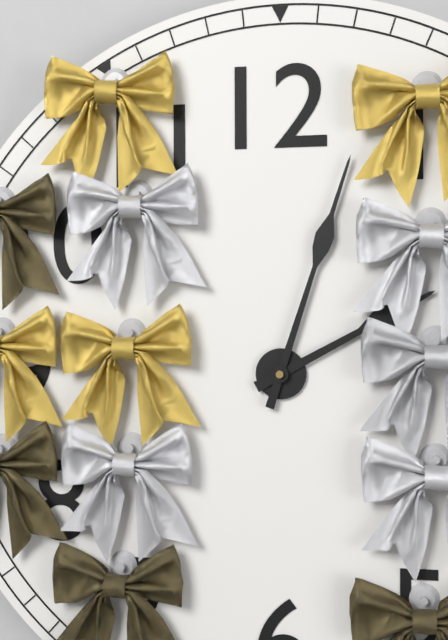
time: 2:03
